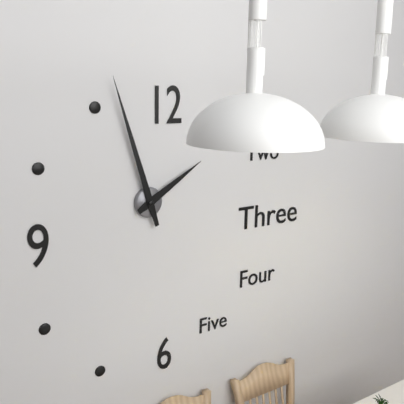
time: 1:57
